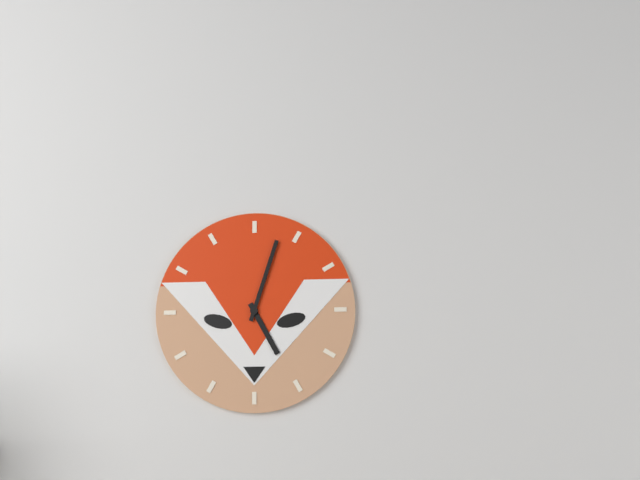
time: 5:03
